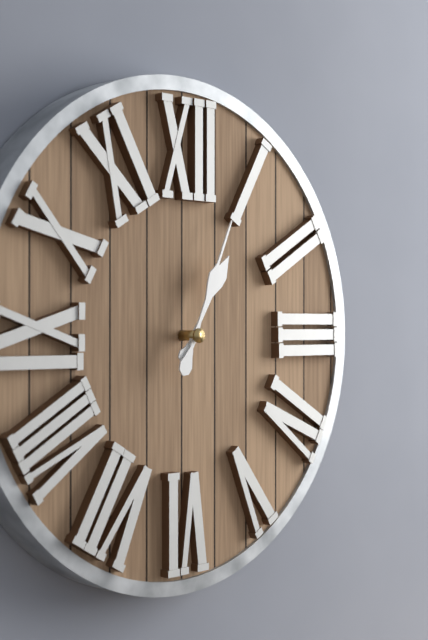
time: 1:04
